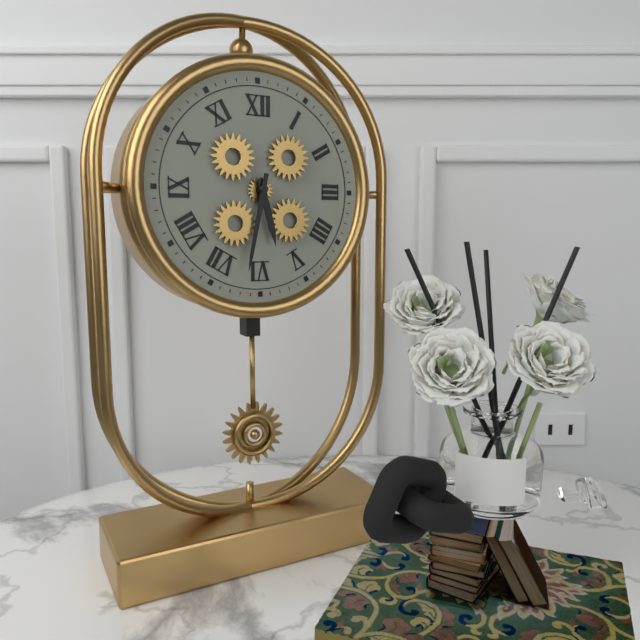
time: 5:32
